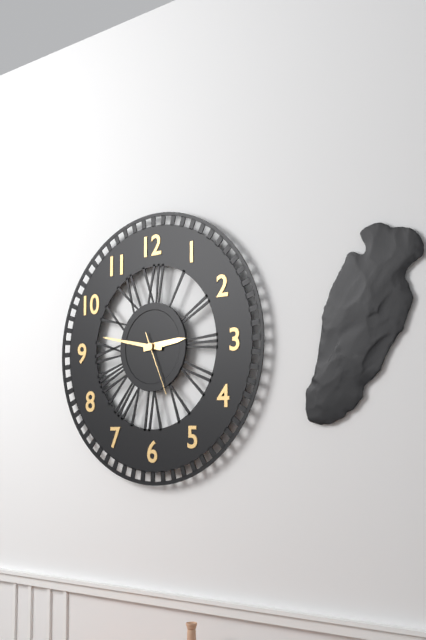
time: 2:47:26
